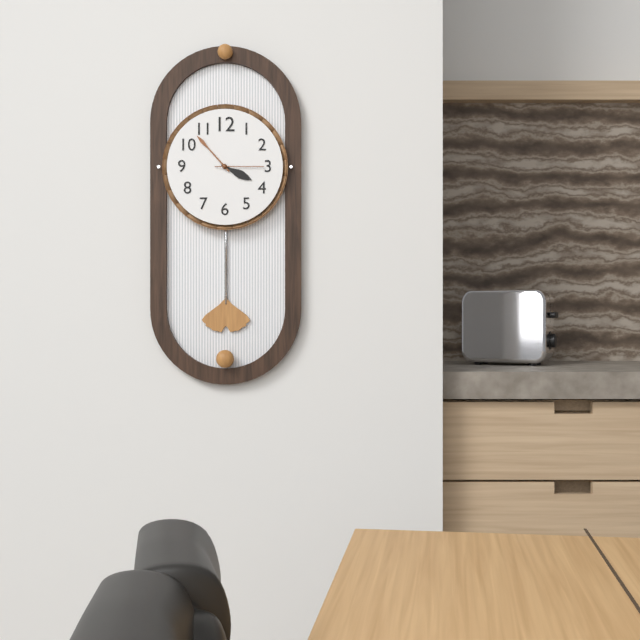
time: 3:53
